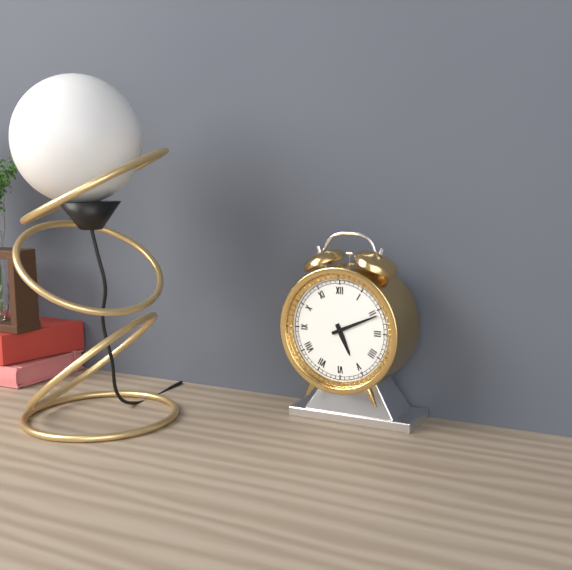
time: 5:11
